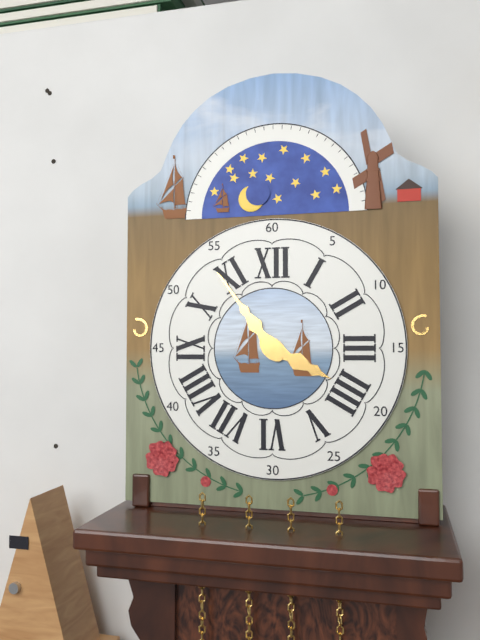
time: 3:54
